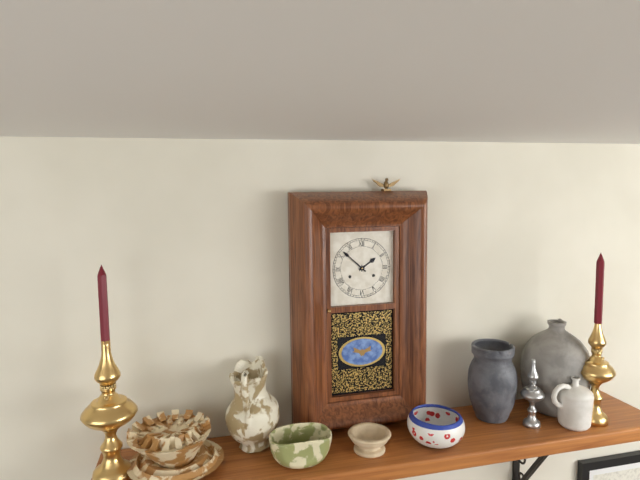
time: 1:52
